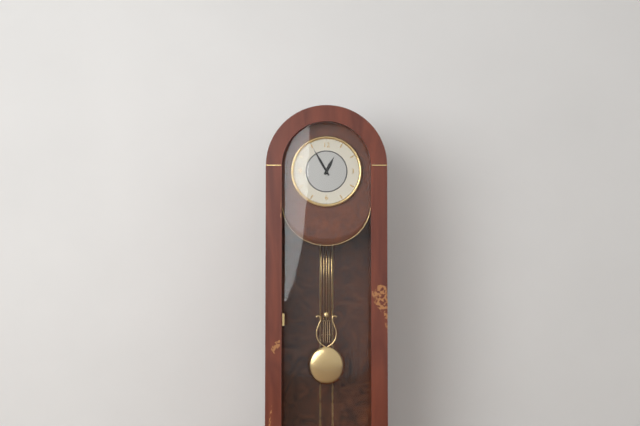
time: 12:55
